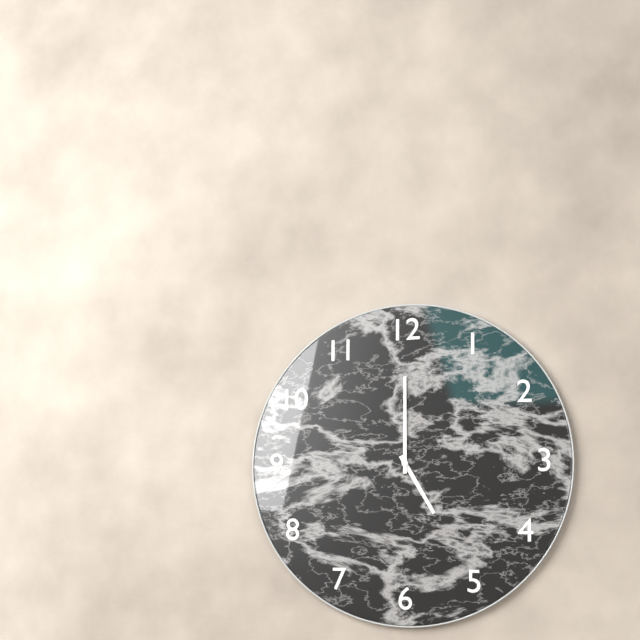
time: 5:00
